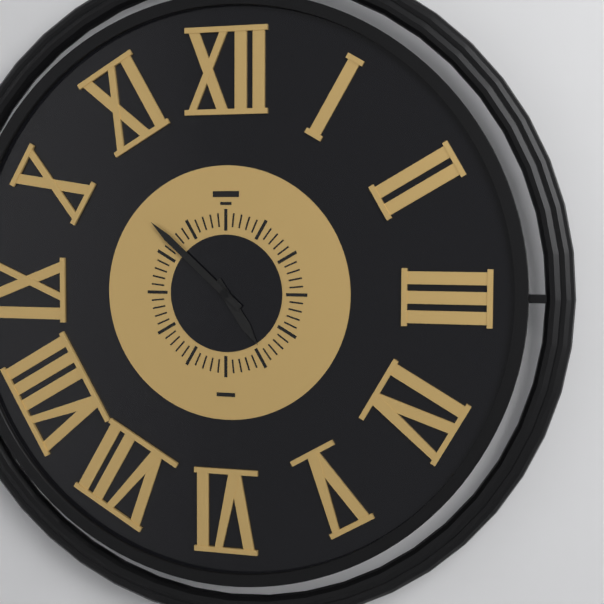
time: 4:52
